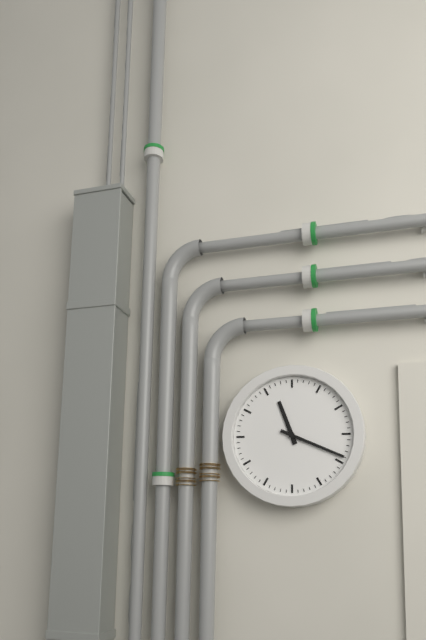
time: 11:19
